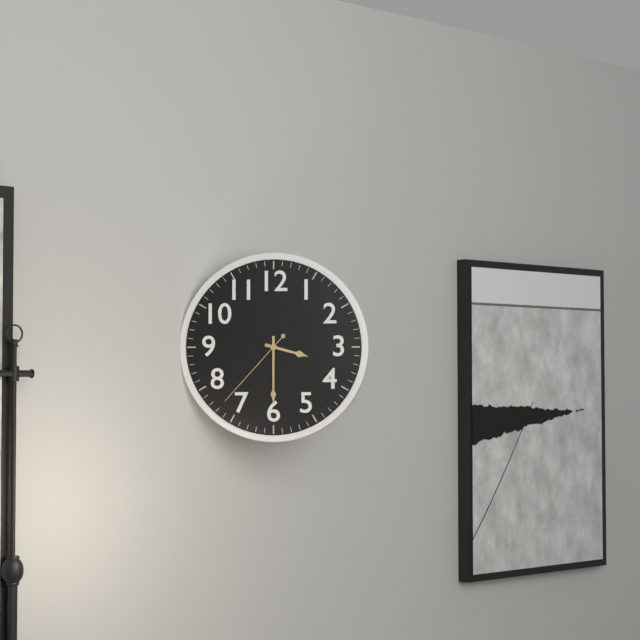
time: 3:30:37
